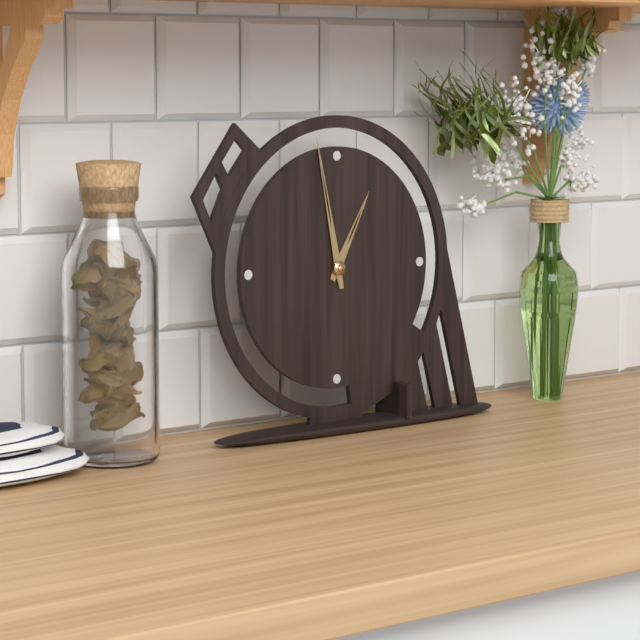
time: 12:58
